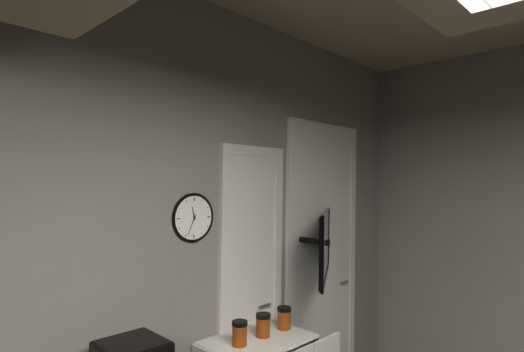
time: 11:34
